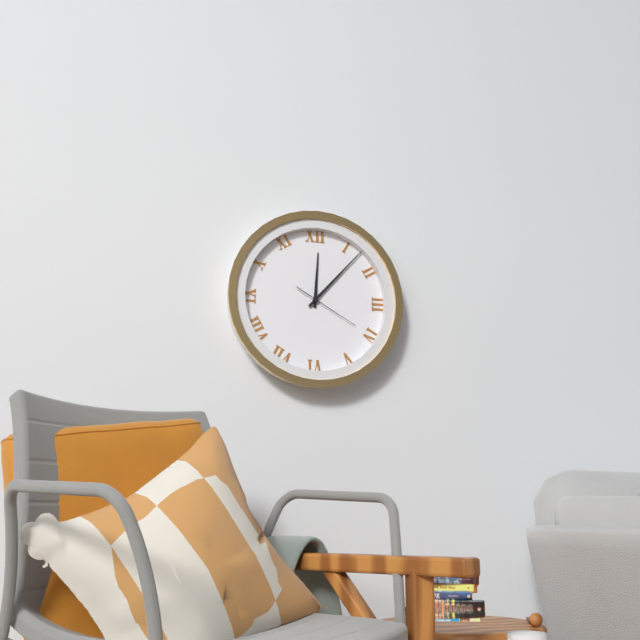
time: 12:07:20
